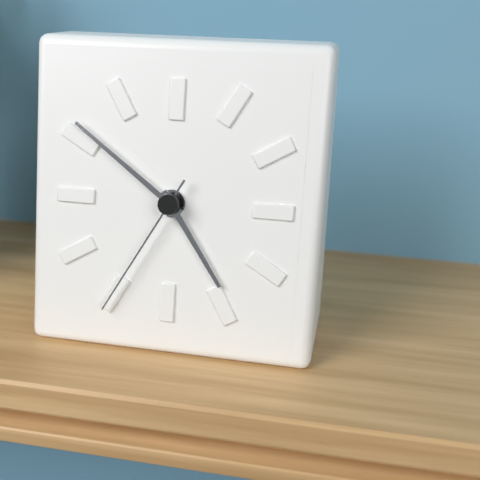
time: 4:51:35
